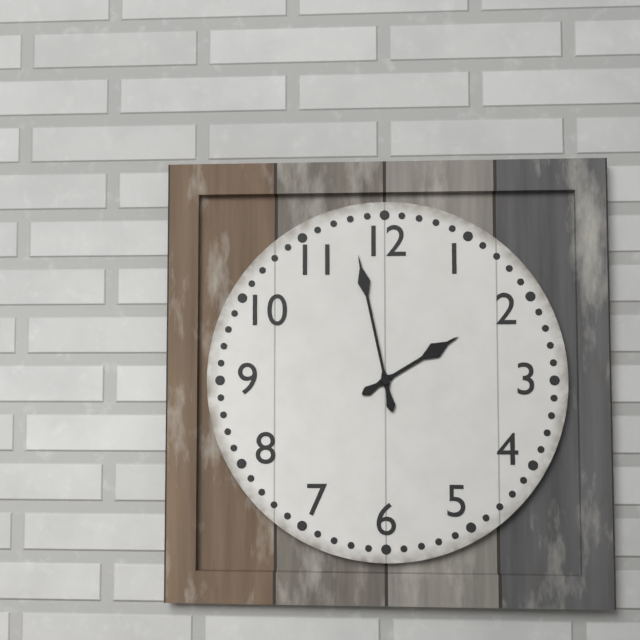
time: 1:58
